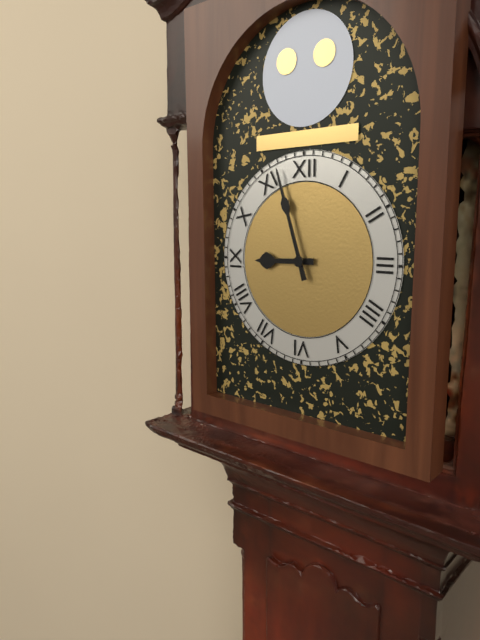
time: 8:57
